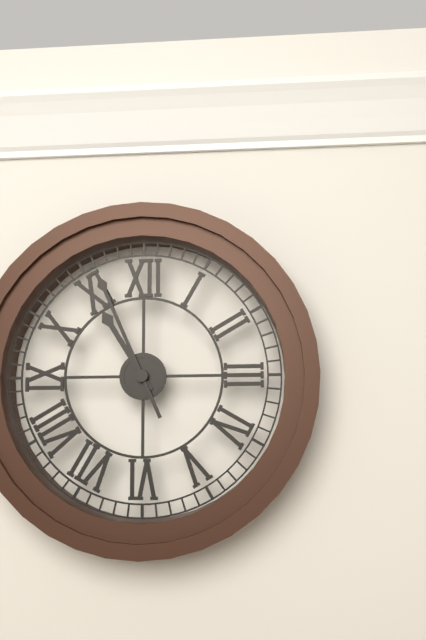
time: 10:56
